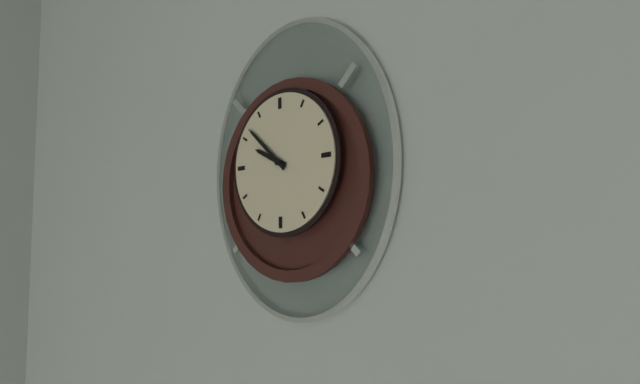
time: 9:52
